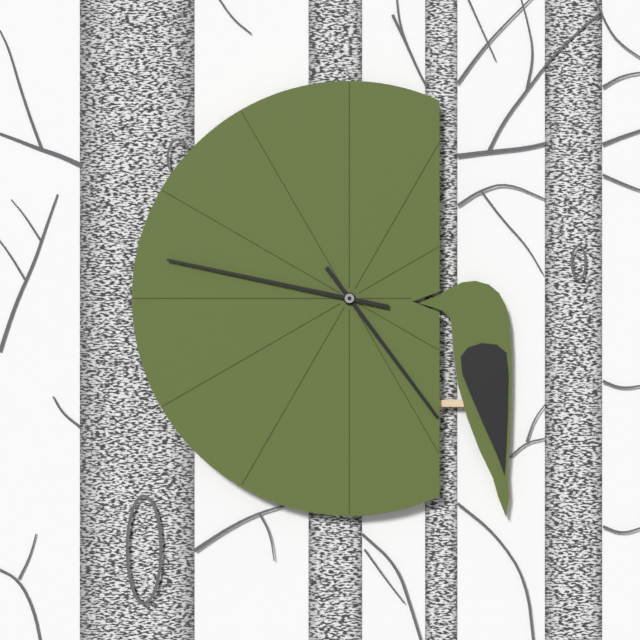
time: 4:47
